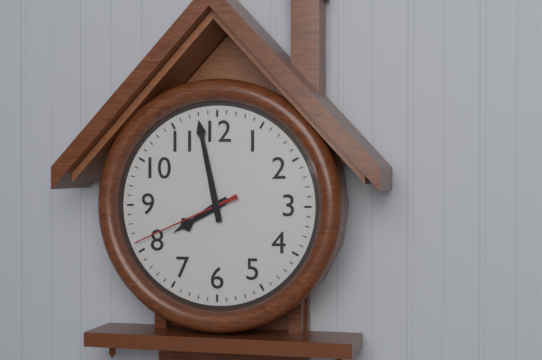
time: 7:58:41
